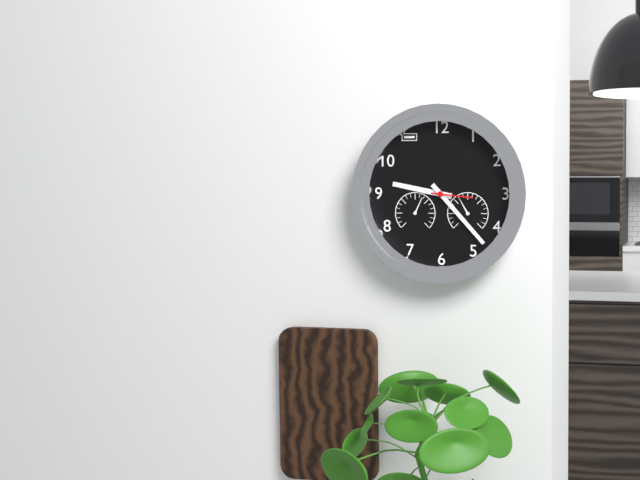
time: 9:23
